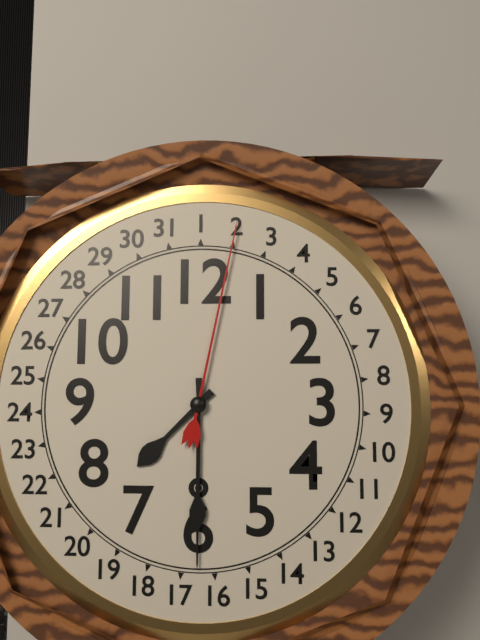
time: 7:30
